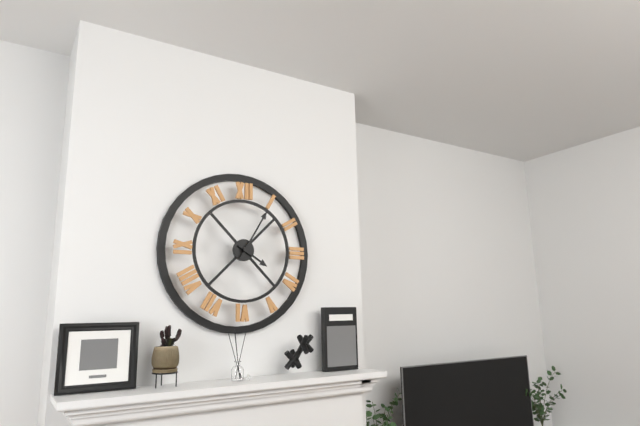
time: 4:05
